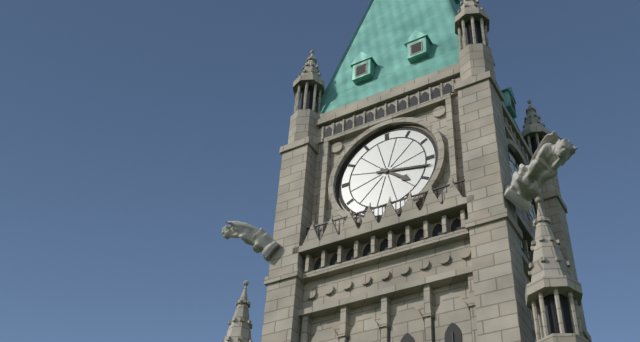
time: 4:17
